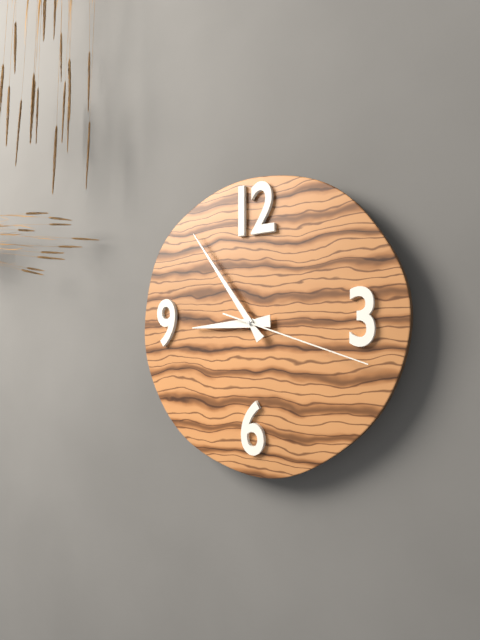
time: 8:54:18
